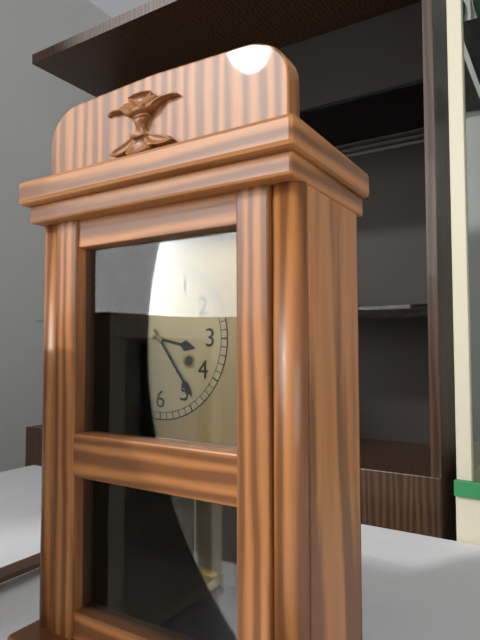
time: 3:24
